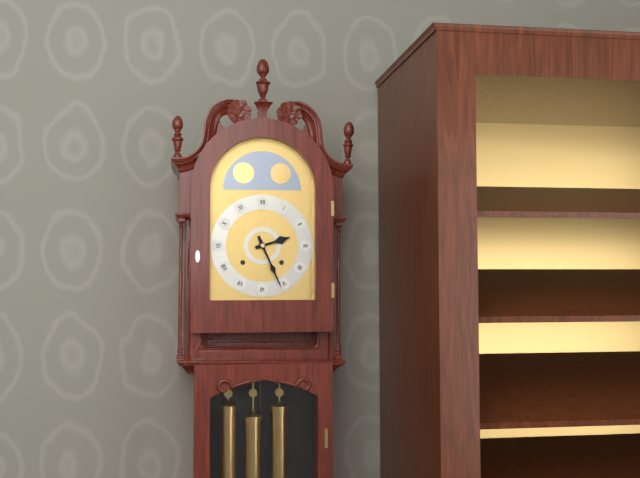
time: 2:26
